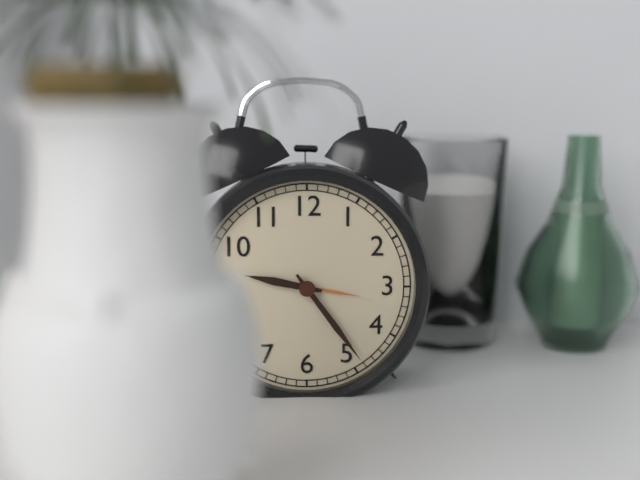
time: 9:24
